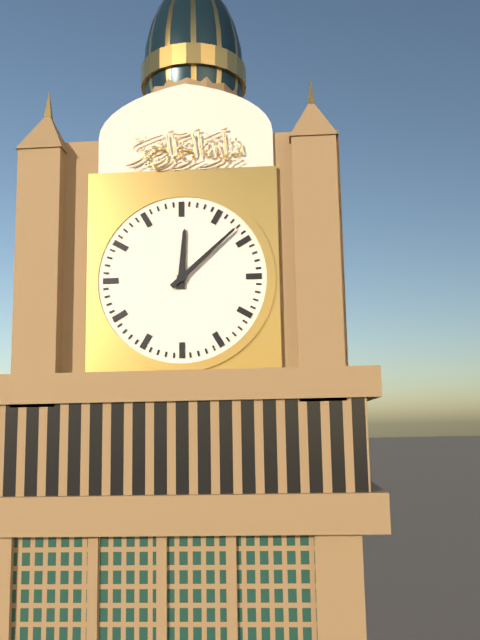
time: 12:08
